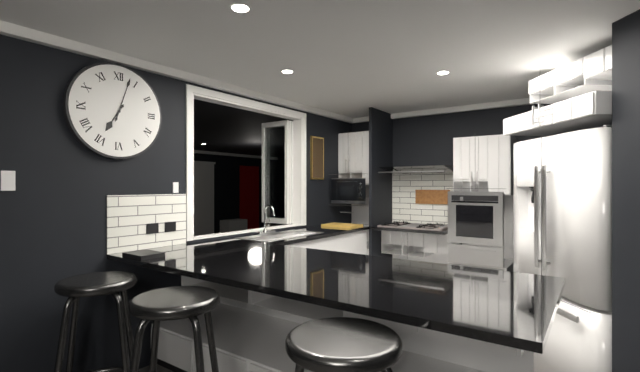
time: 7:03
